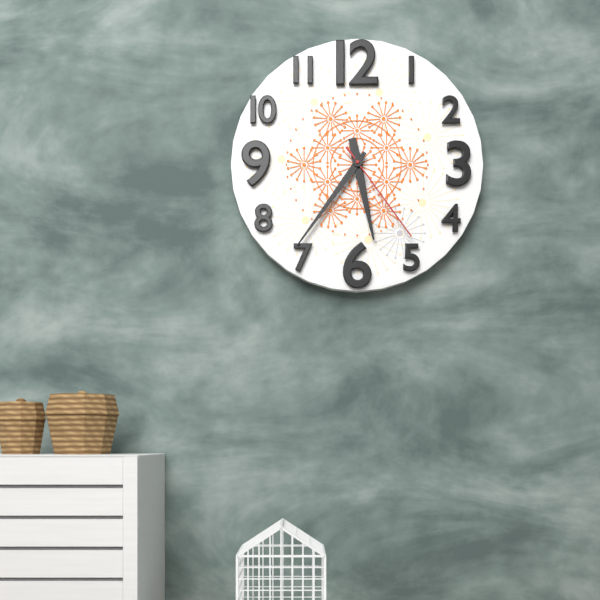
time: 5:36:24
